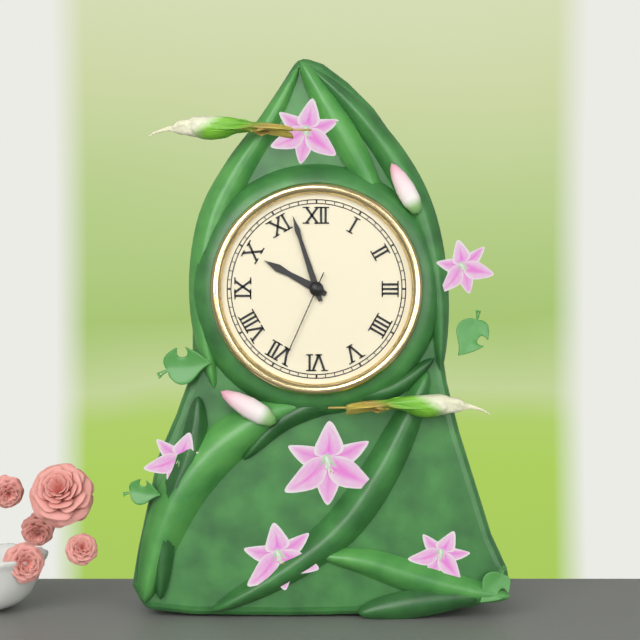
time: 9:57:34
